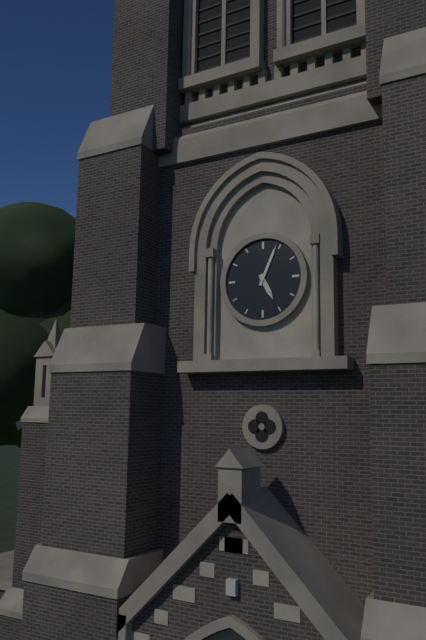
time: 5:04
